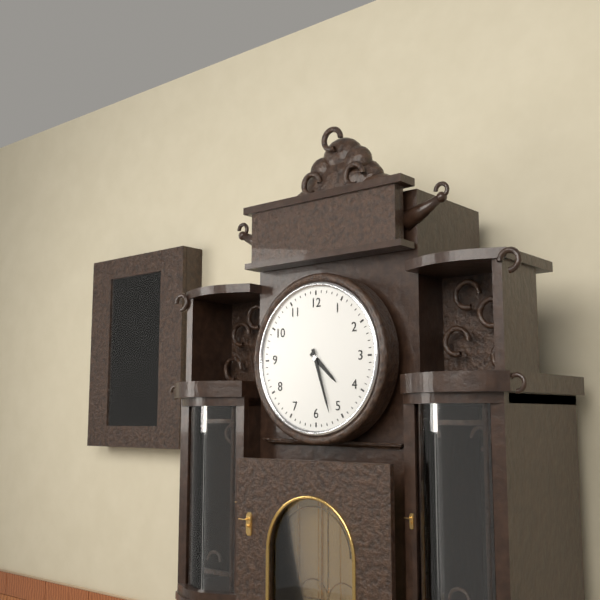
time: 4:27
